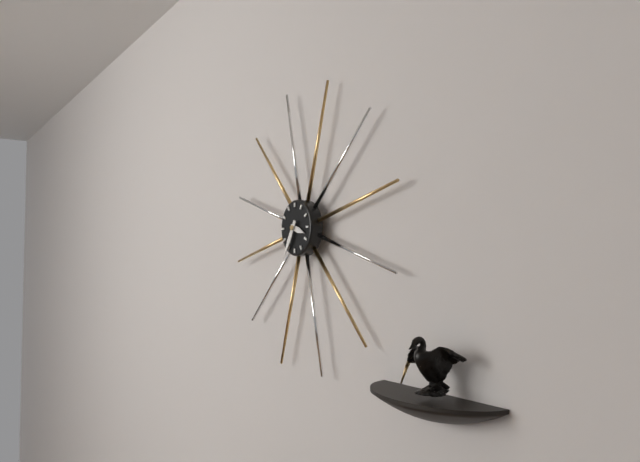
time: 3:35
